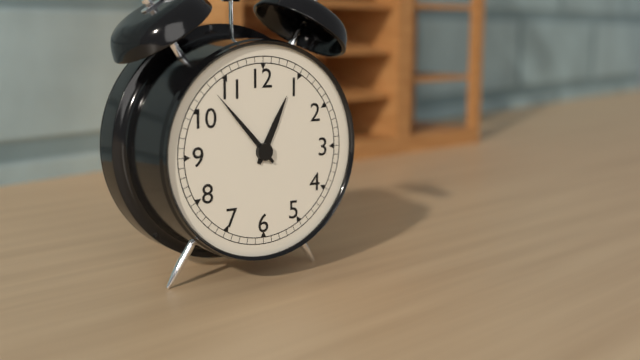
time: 12:53
